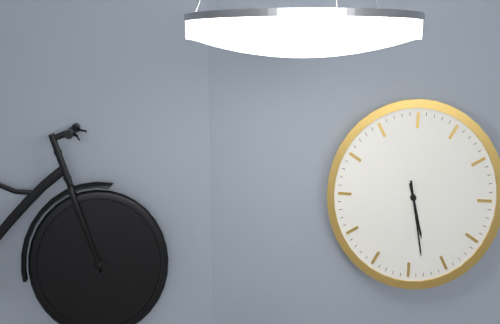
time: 5:28
